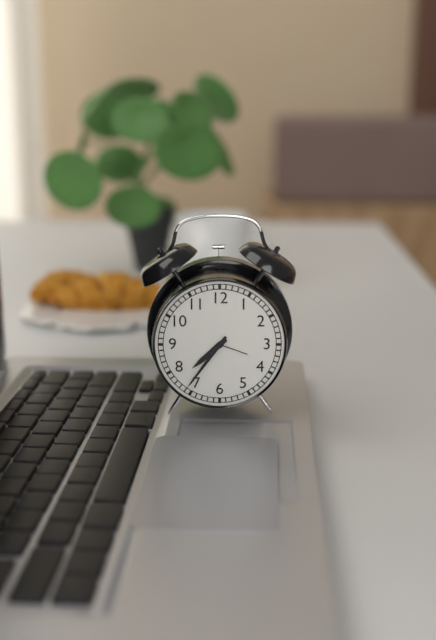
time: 7:36
